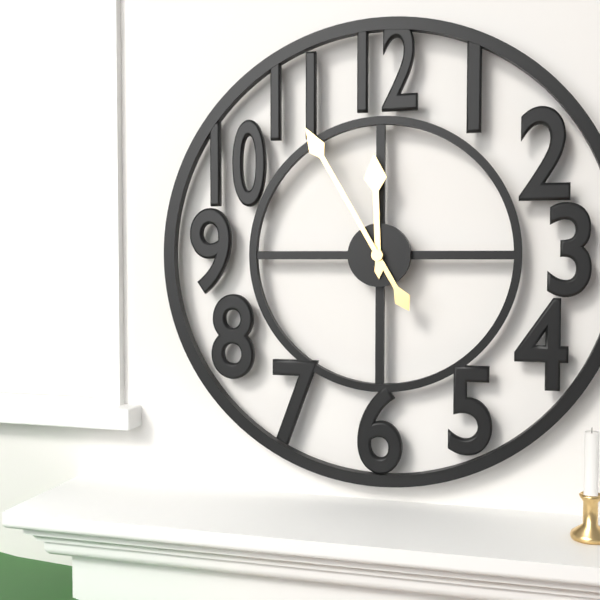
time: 11:55
